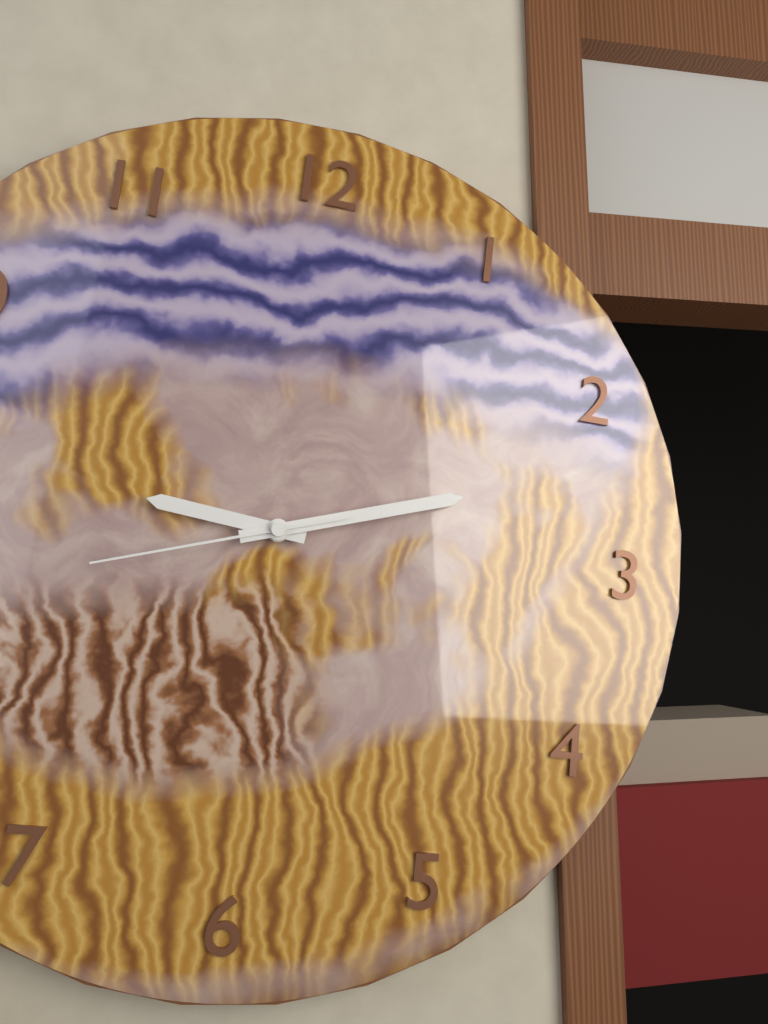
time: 9:12:42
